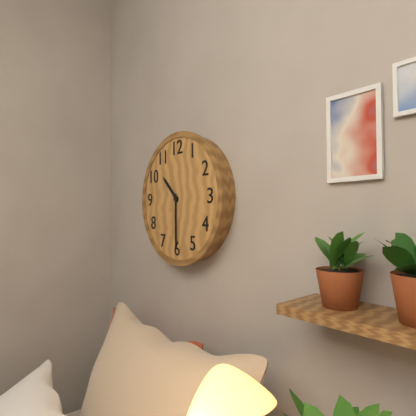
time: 10:30
